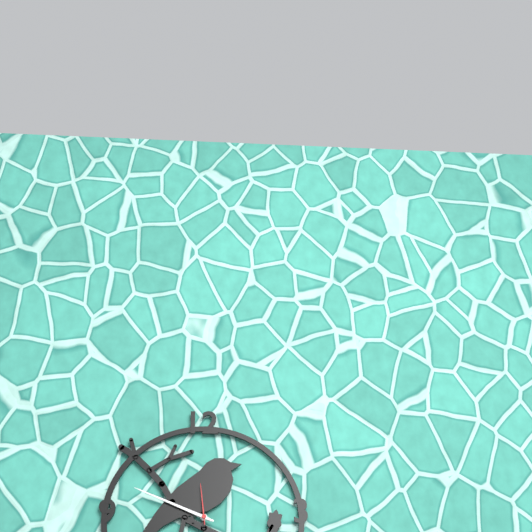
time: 9:49
